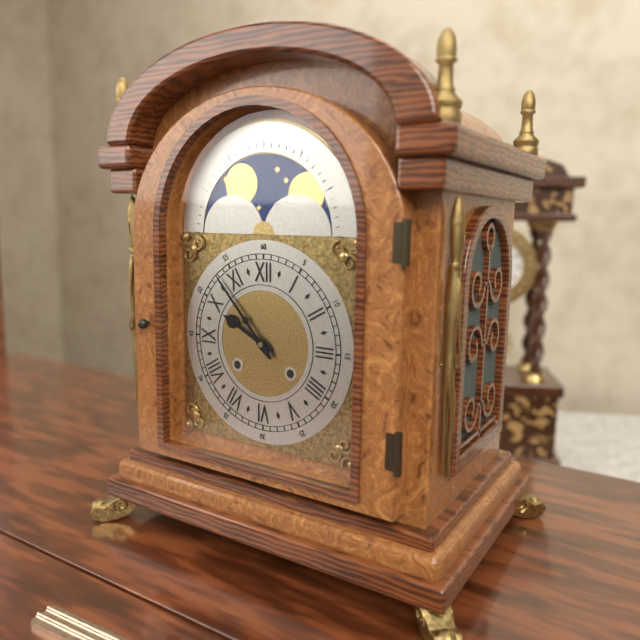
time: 9:53
